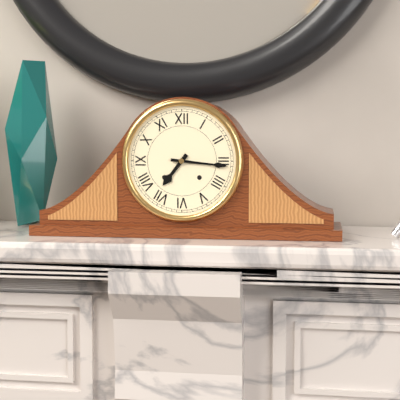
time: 7:16
